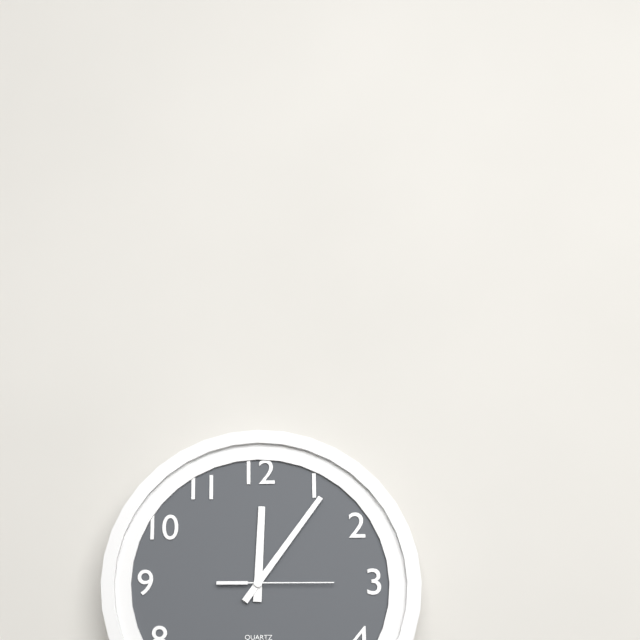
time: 12:06:15
